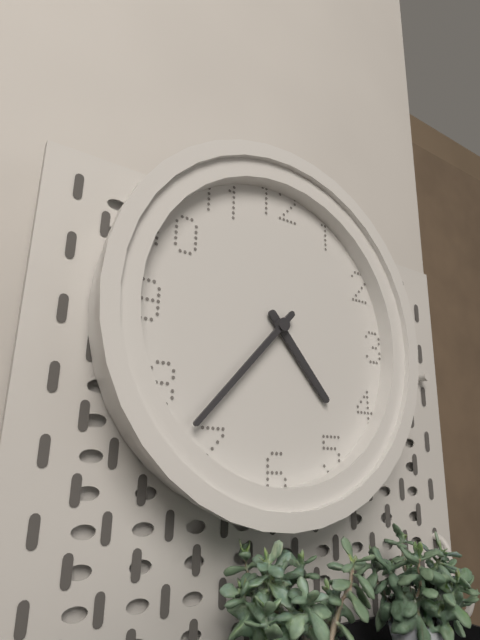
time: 4:37
